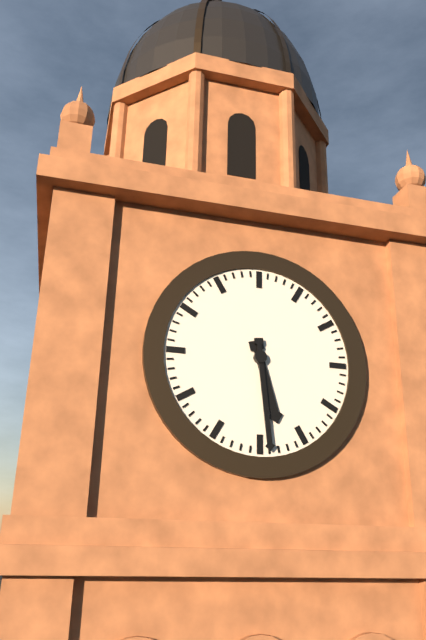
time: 5:29
